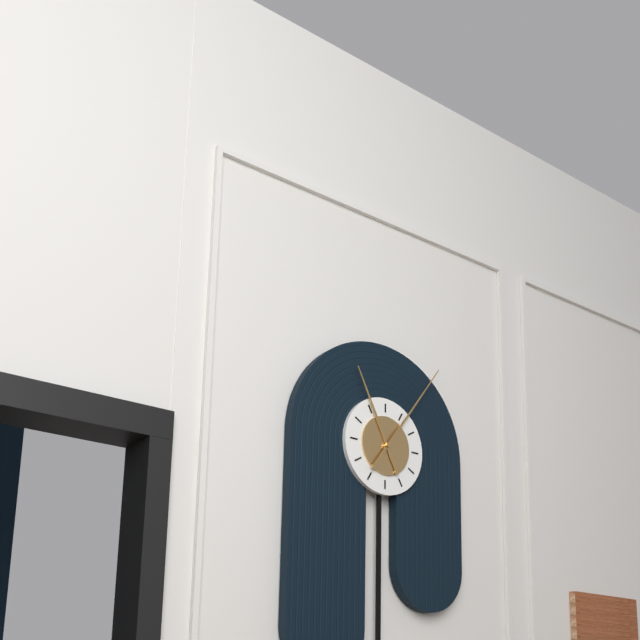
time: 11:06
